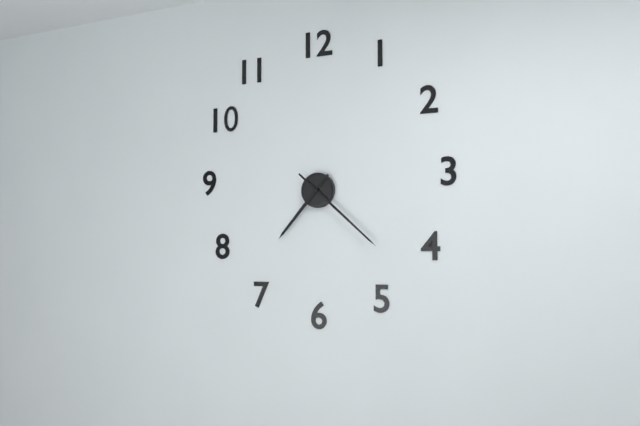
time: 7:22
